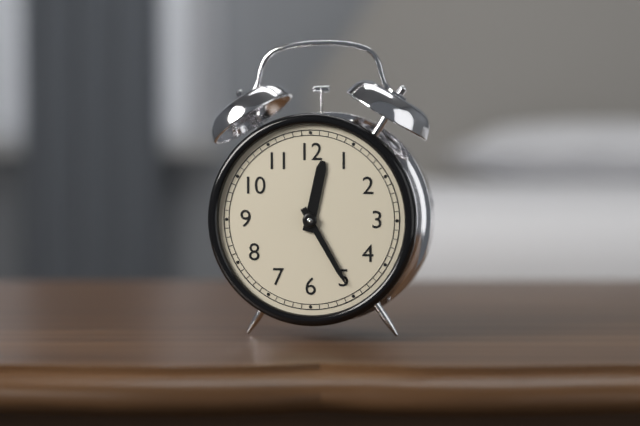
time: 12:25
